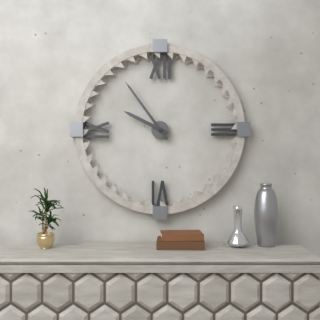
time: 9:54
